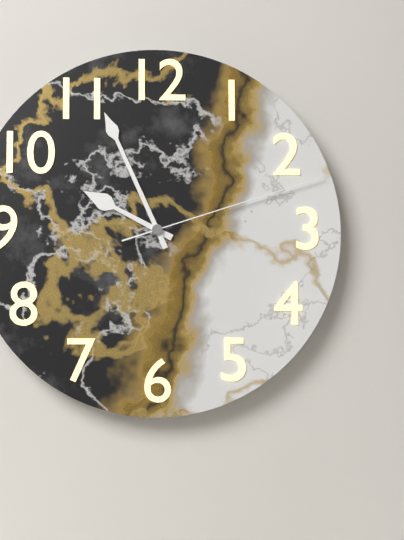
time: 9:56:12
